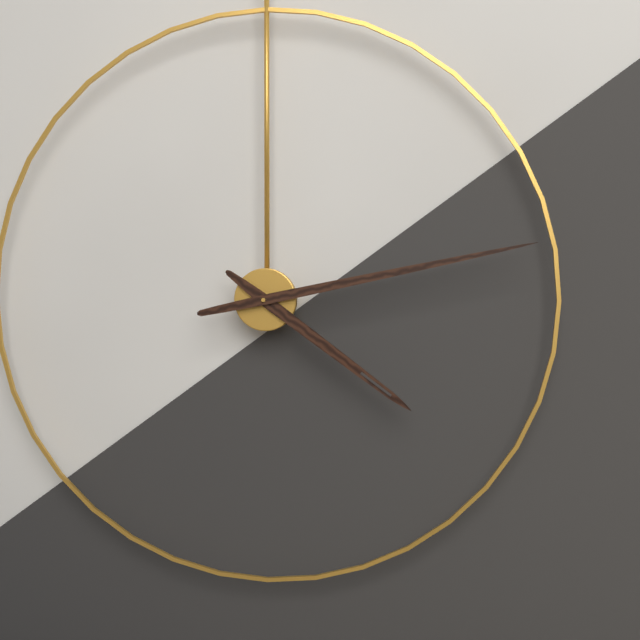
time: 4:13
